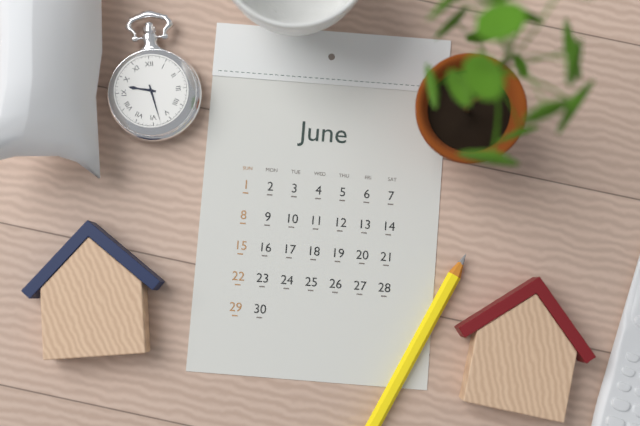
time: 9:28
